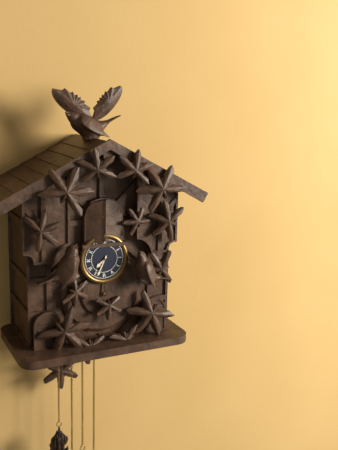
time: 7:34
